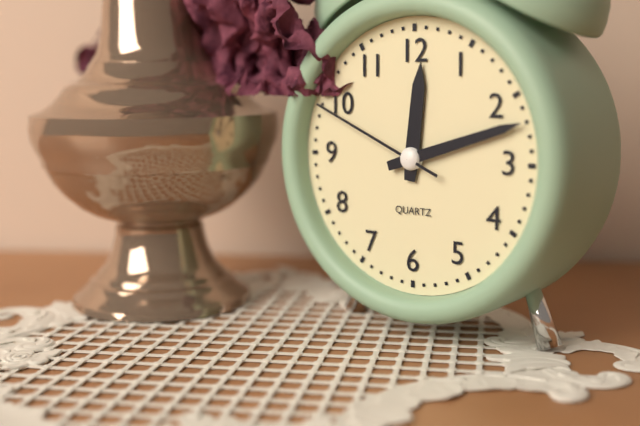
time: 12:12:49
